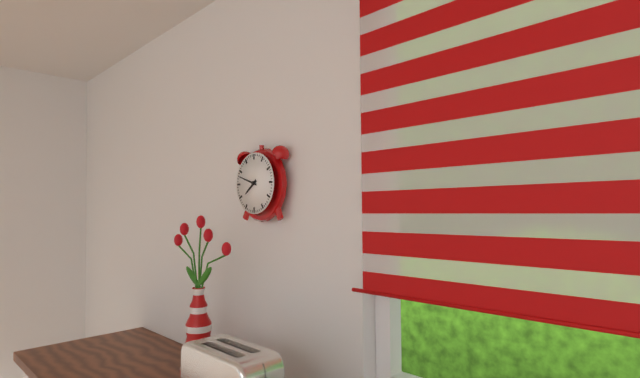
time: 7:48
